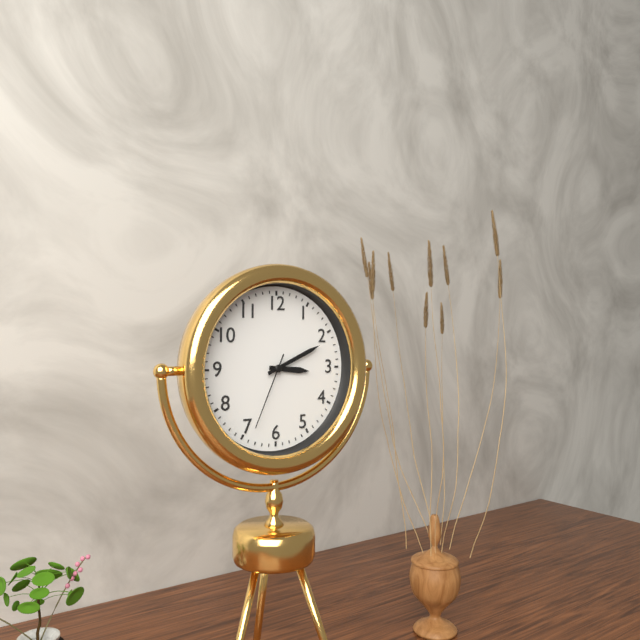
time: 3:11:34
